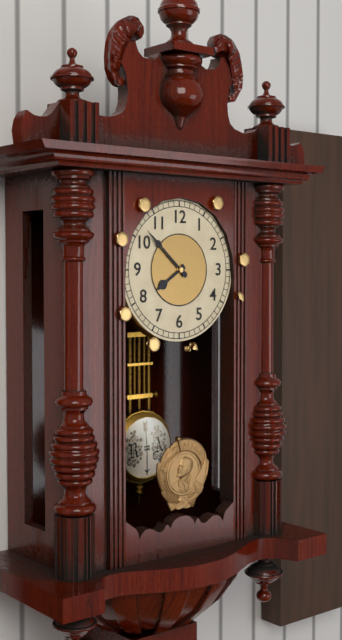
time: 7:52
